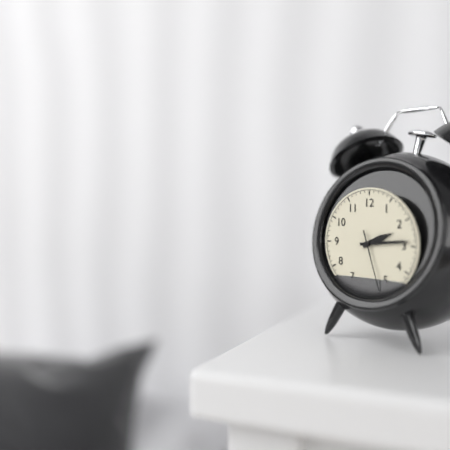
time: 2:14:27
